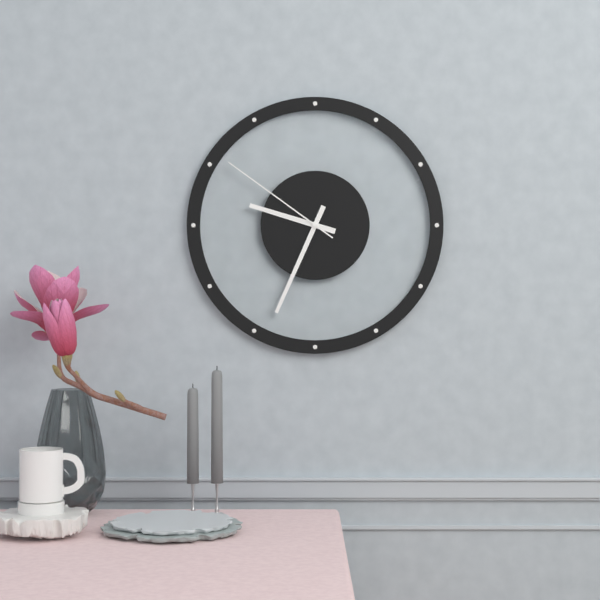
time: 9:34:51
